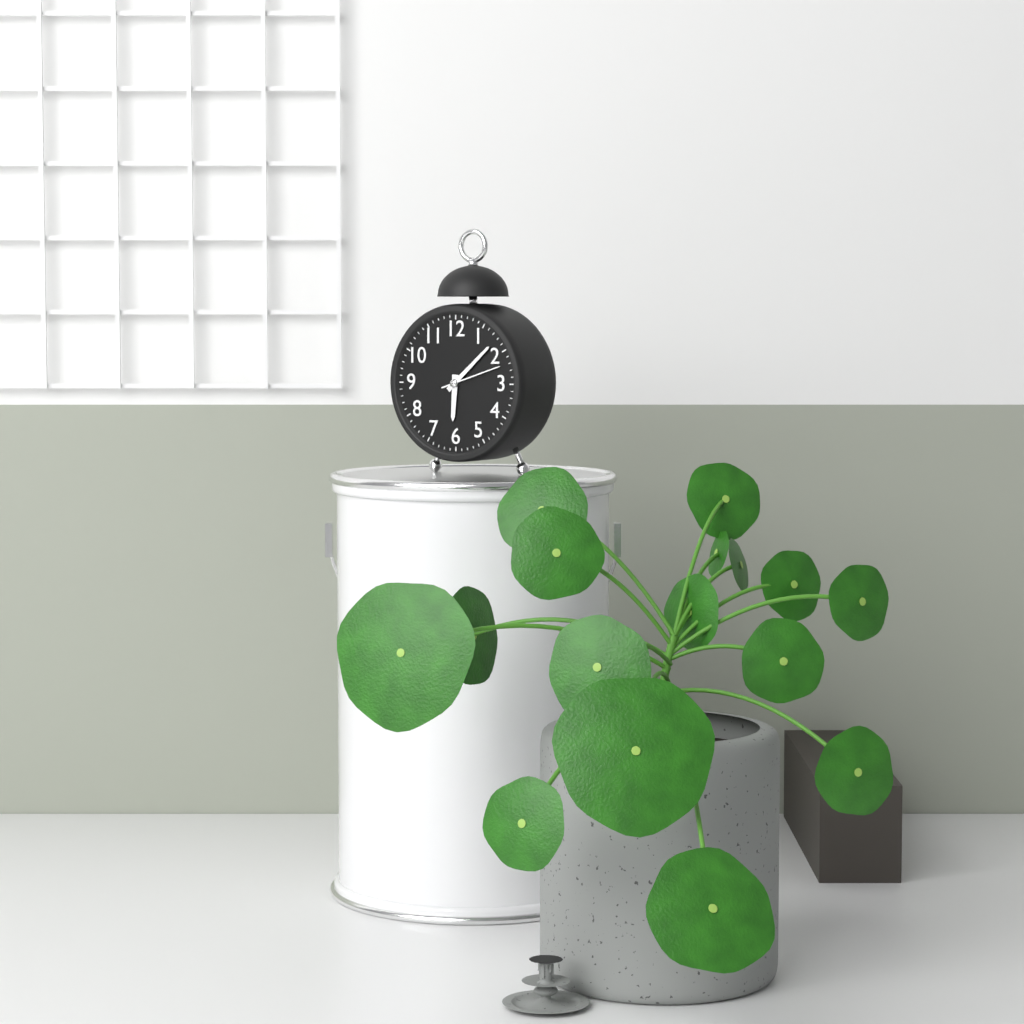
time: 6:08:12
